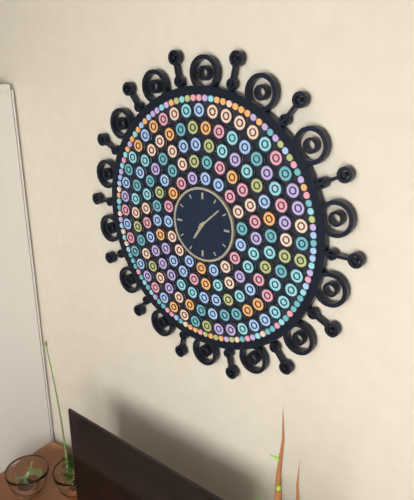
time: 7:08
